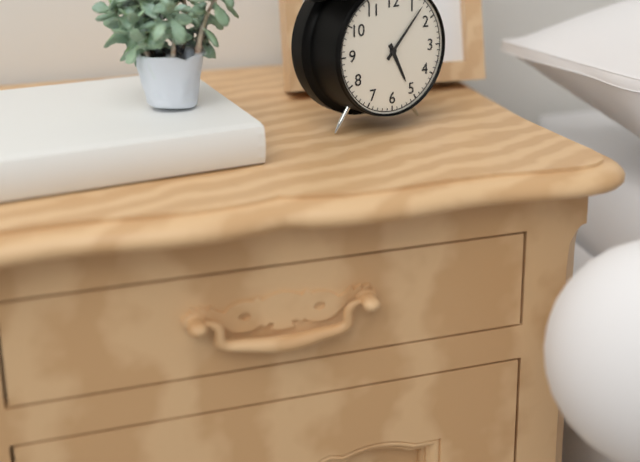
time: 5:07
